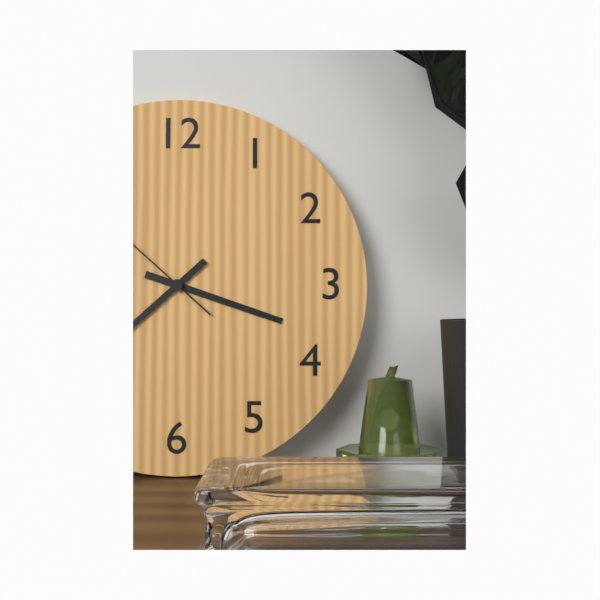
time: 3:38:52
